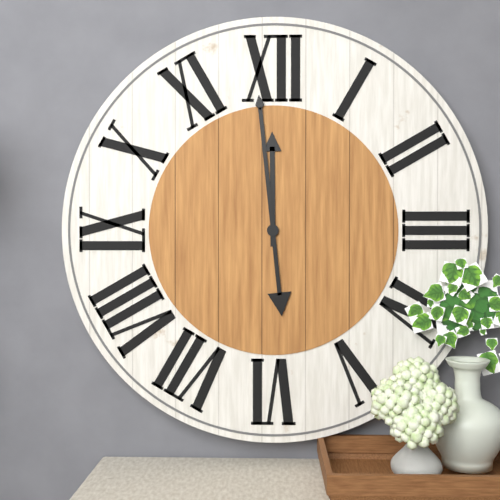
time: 11:59
